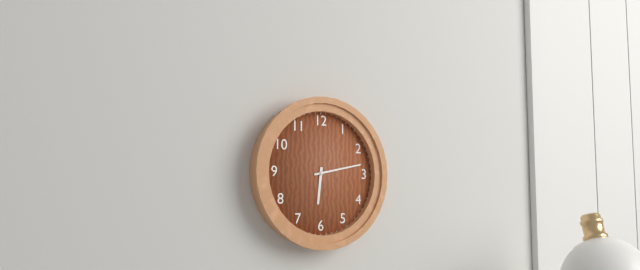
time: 6:13
